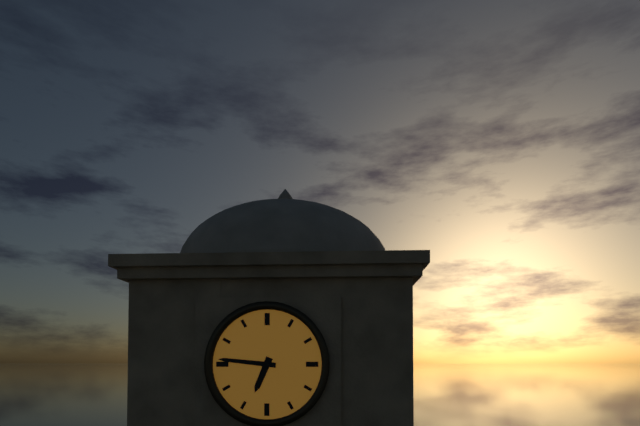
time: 6:46
